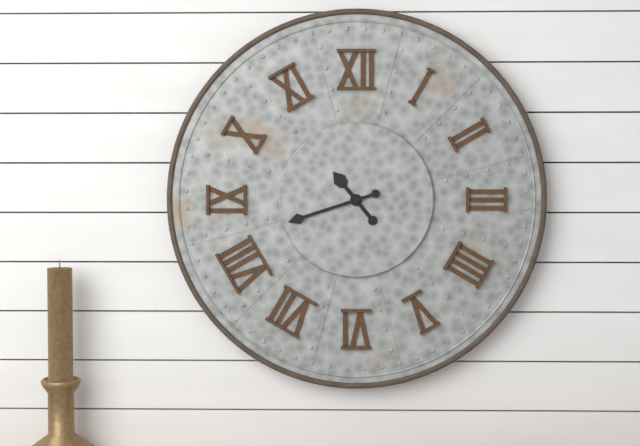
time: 10:42
